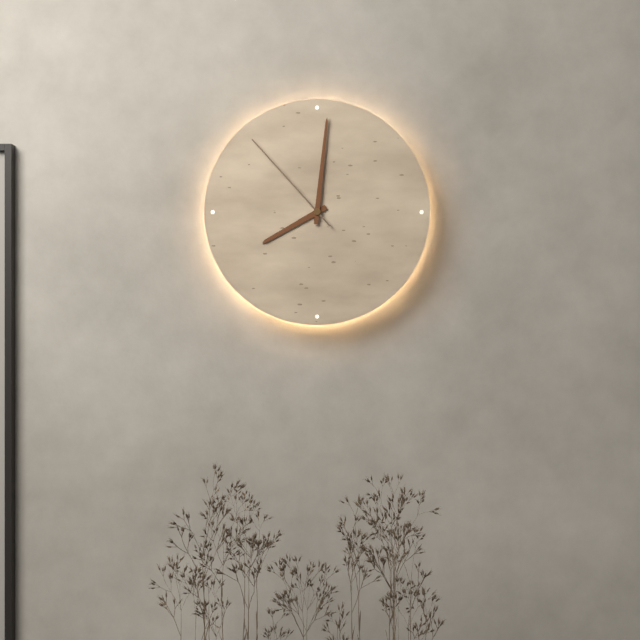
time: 8:01:53
